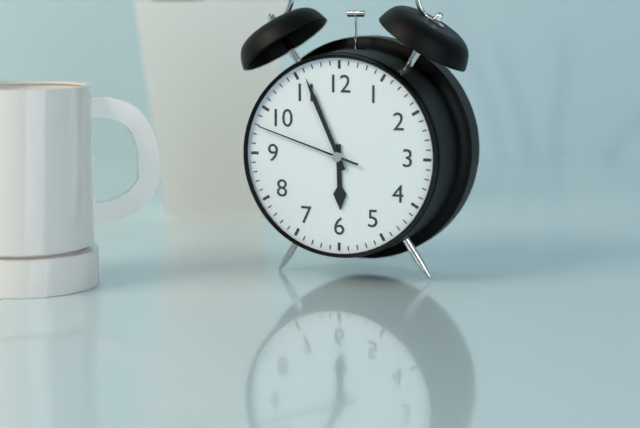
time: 5:56:48
